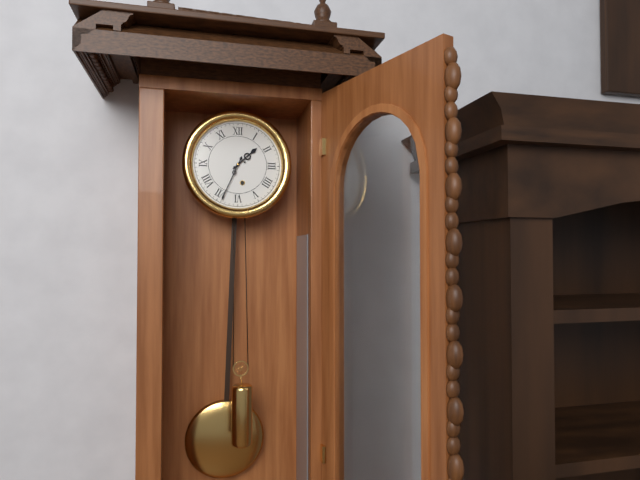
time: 1:34
